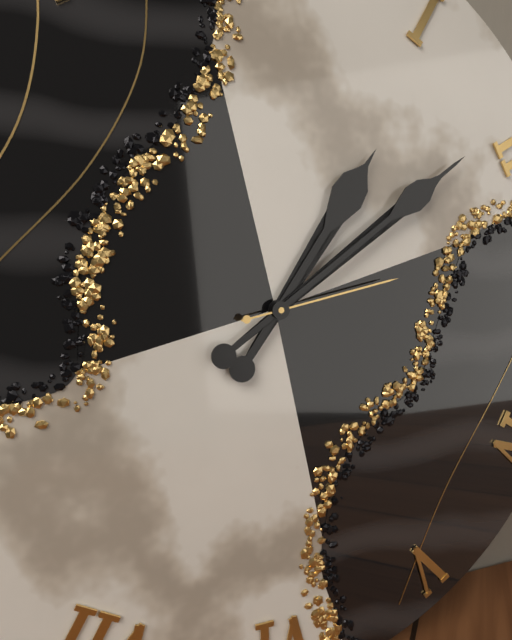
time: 1:09:13
